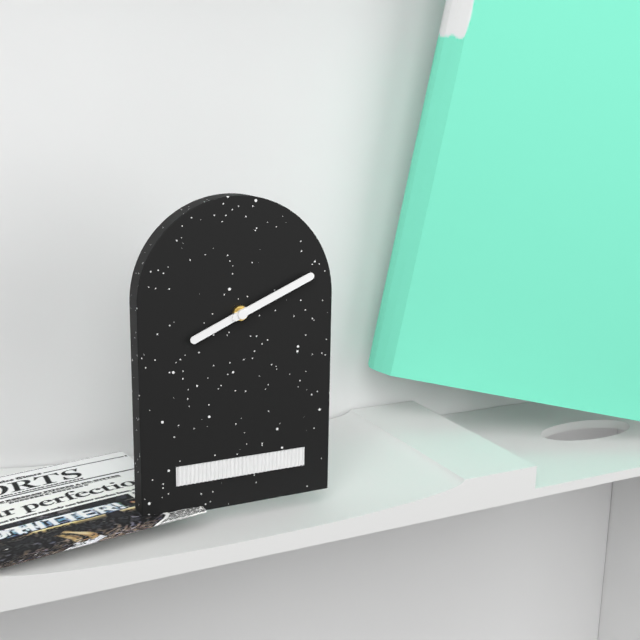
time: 8:11
